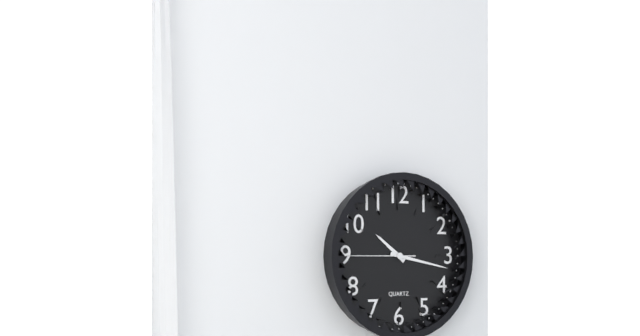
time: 10:17:45
